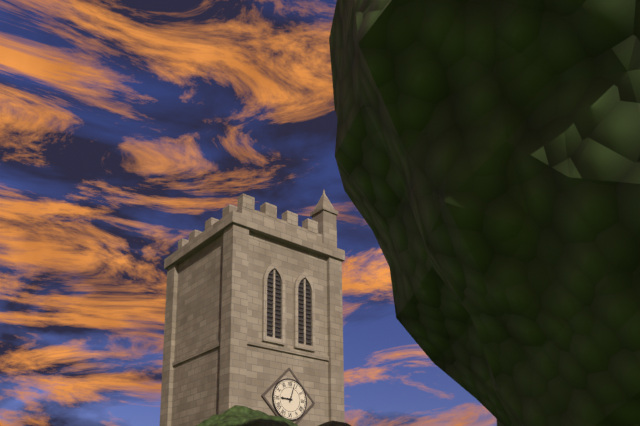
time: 9:03
